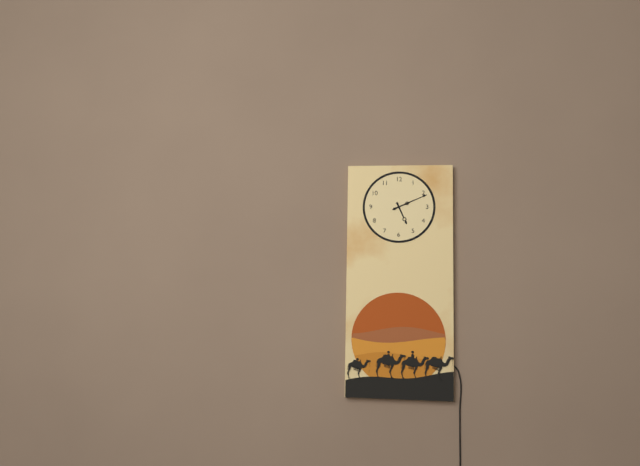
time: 5:11
